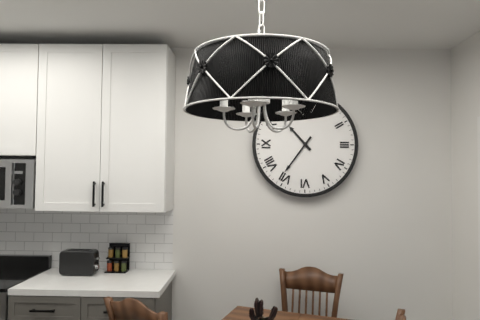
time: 10:36
